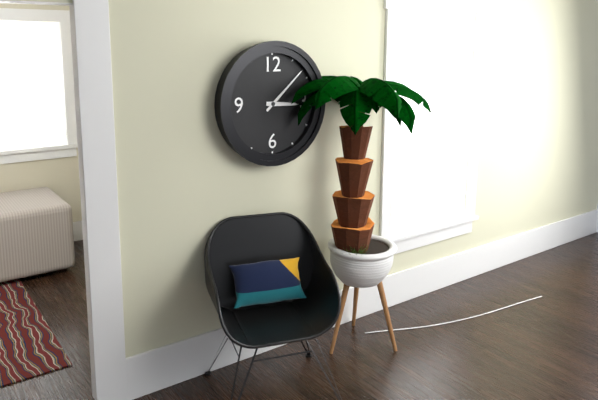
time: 3:08
